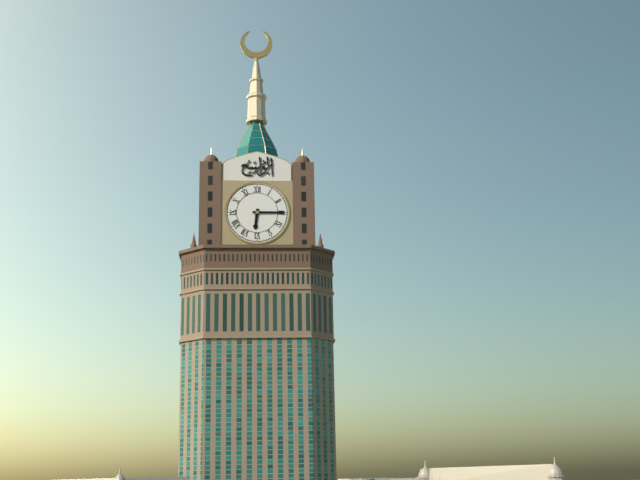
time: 6:15
